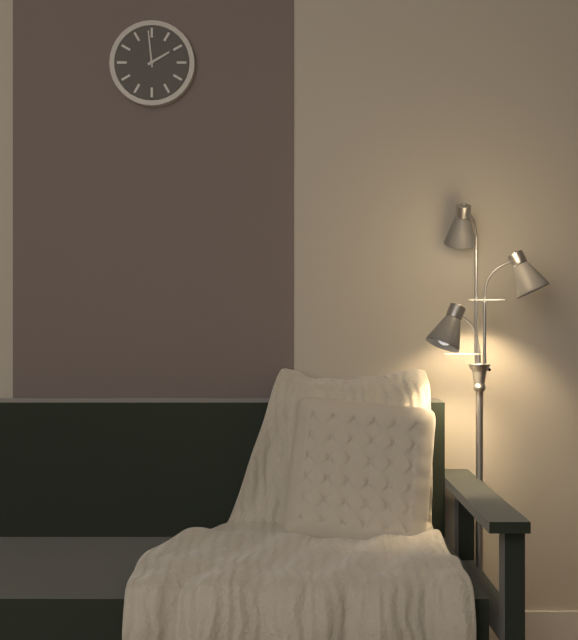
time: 1:59
